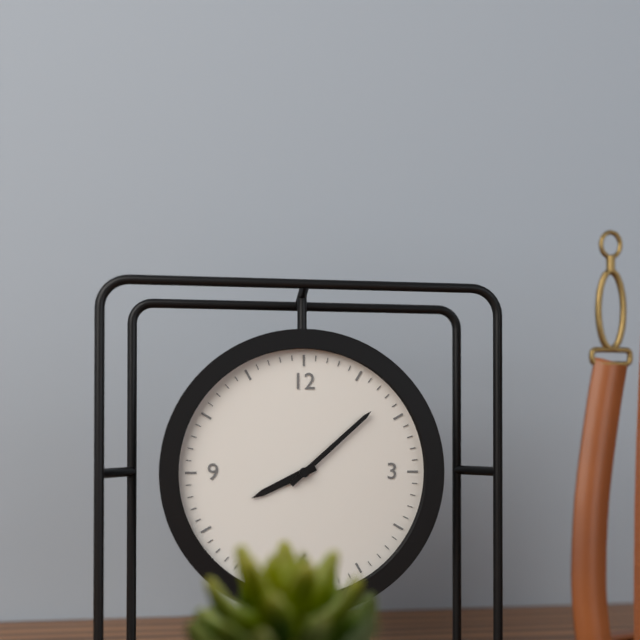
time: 8:08
